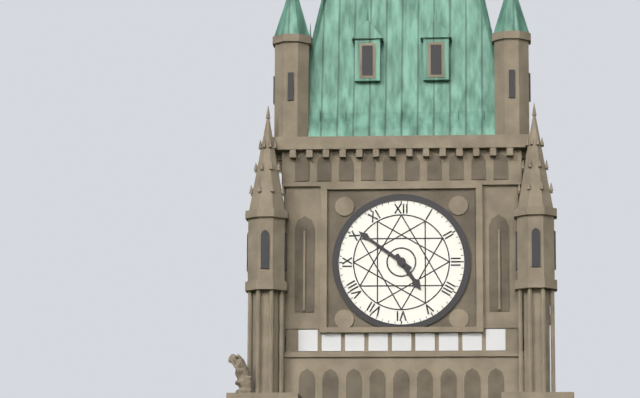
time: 4:51
